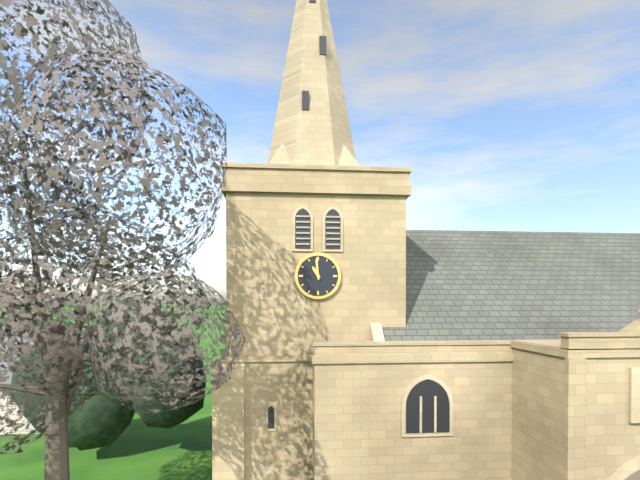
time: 10:59
